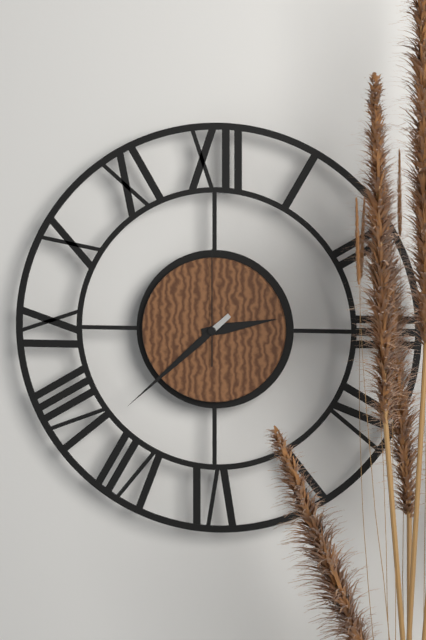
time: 2:38:00
